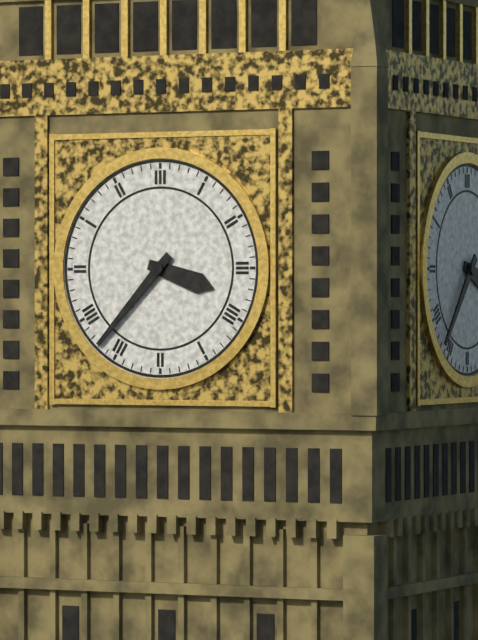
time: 3:37
